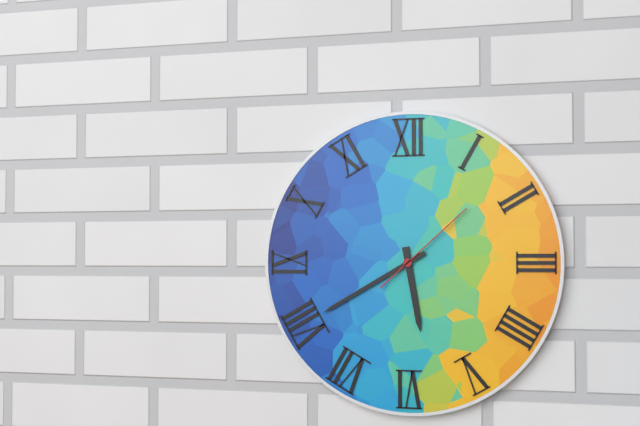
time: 5:40:08
